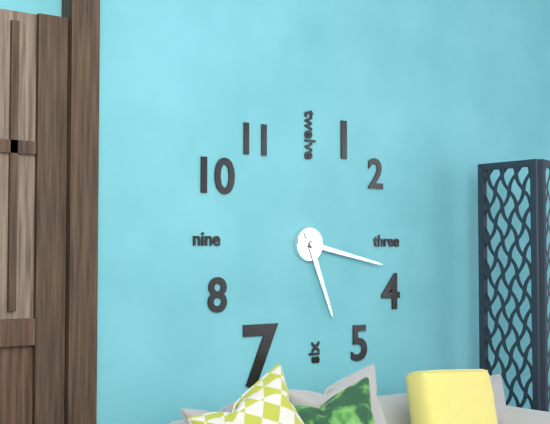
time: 5:17
